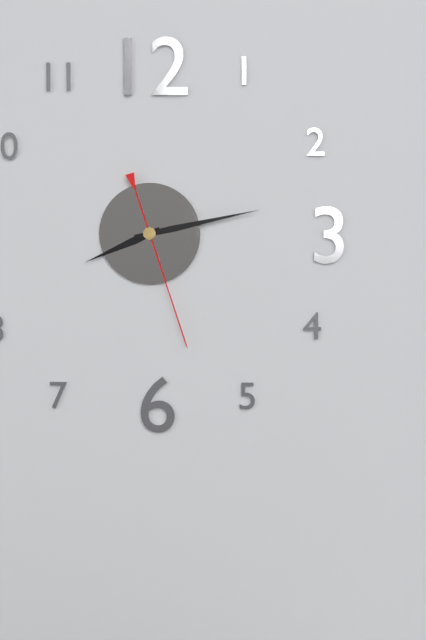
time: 8:13:27
